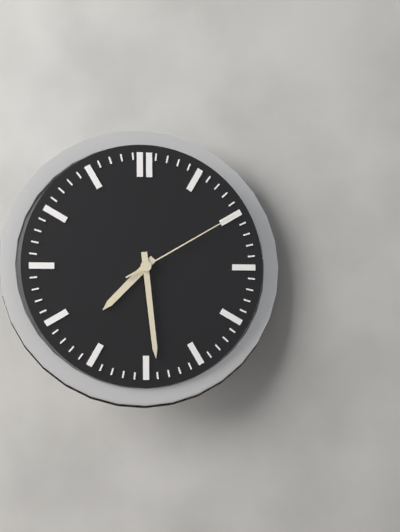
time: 7:29:10
